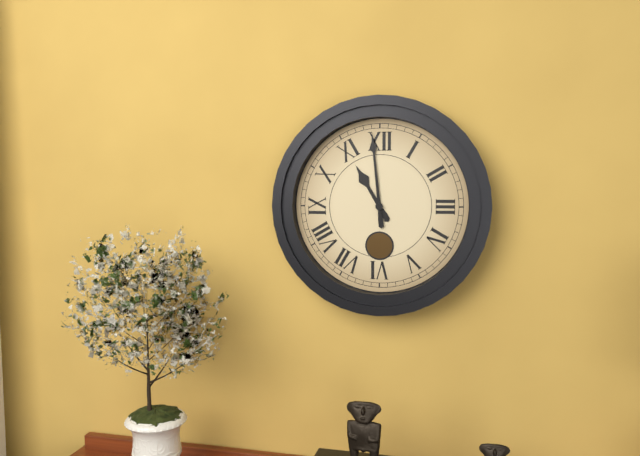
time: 10:59
